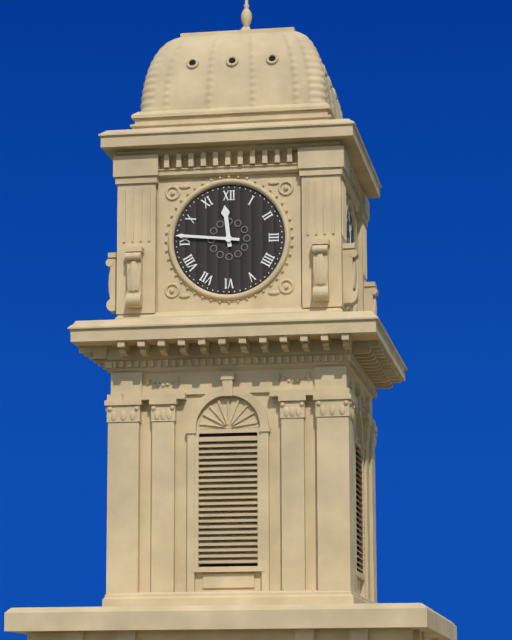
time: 11:46
